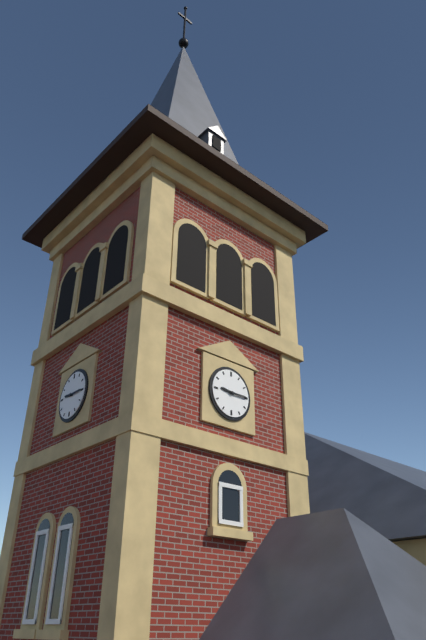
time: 9:15
